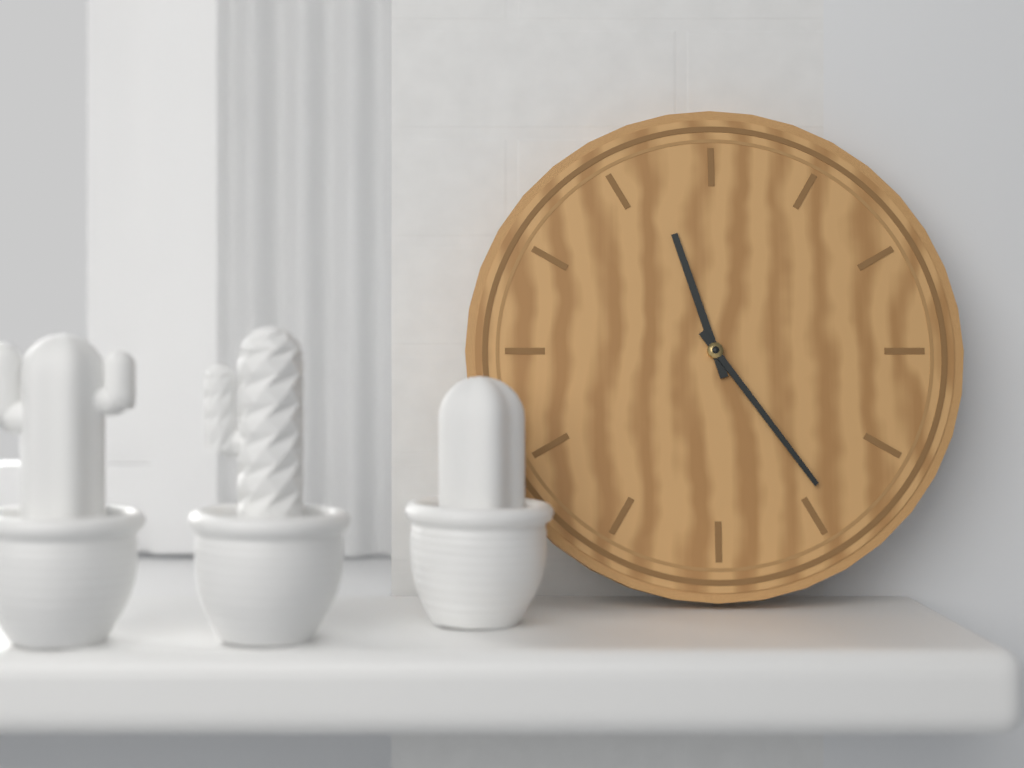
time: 11:24
